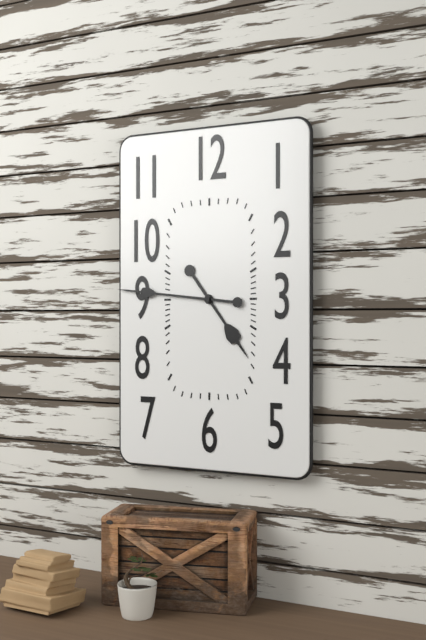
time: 4:46
